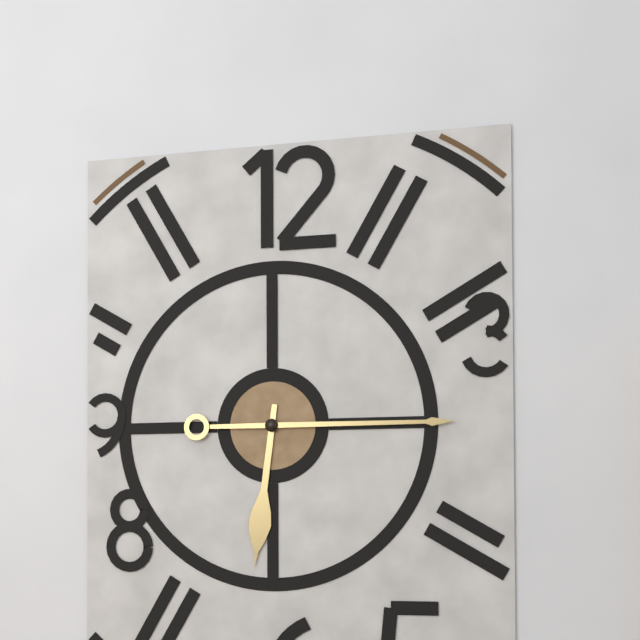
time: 6:15
